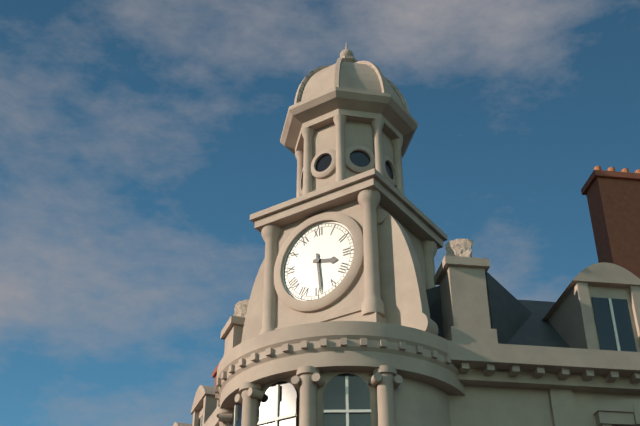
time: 3:29
